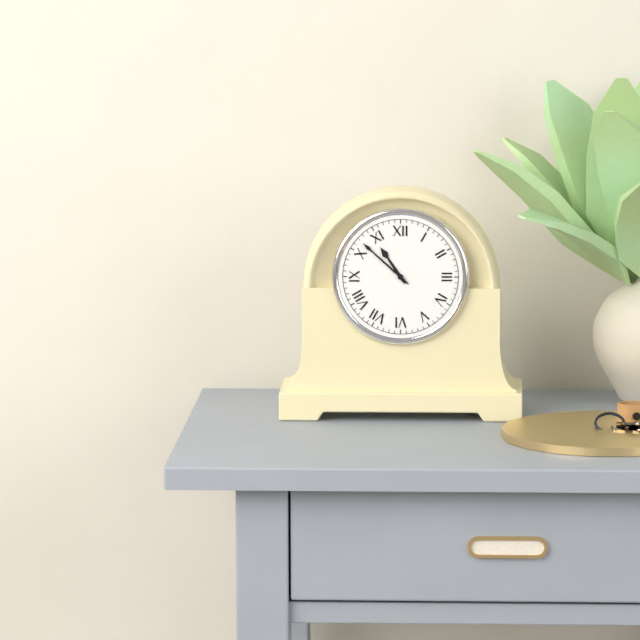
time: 10:52
